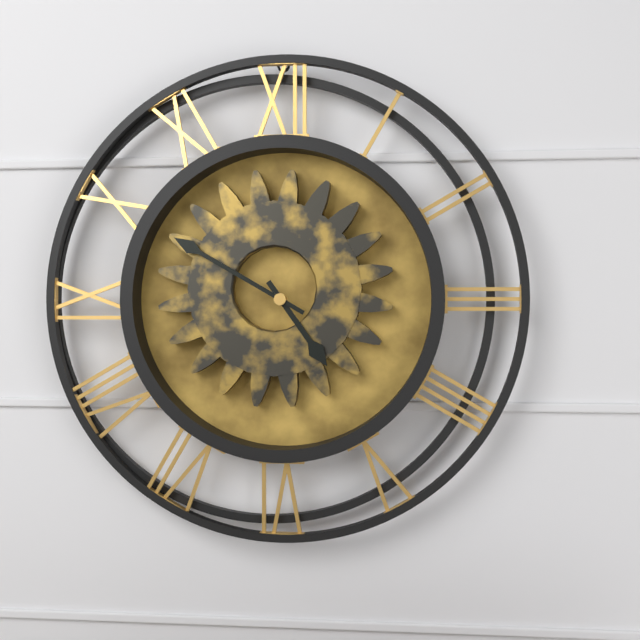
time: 4:50
